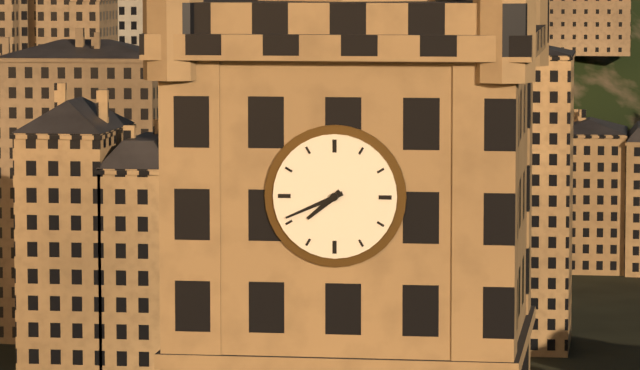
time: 7:41
